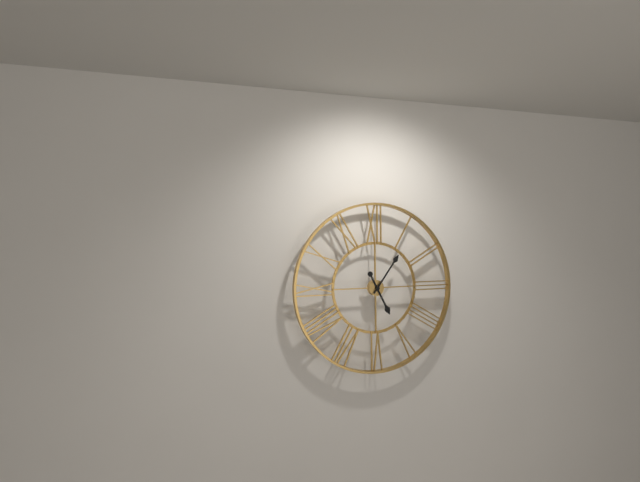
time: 5:06
